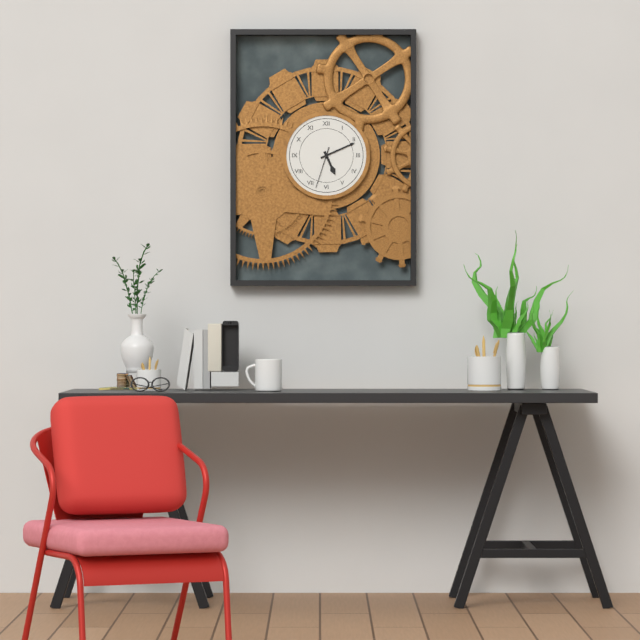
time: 5:11
